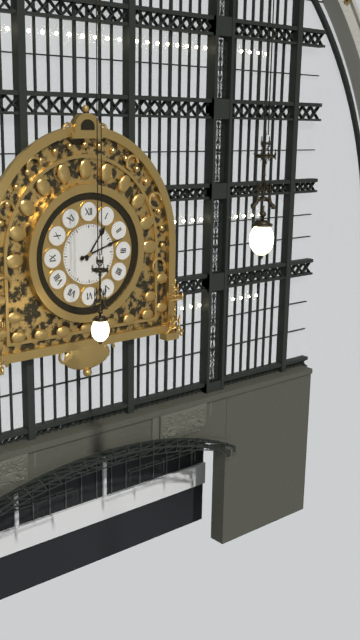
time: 1:12
